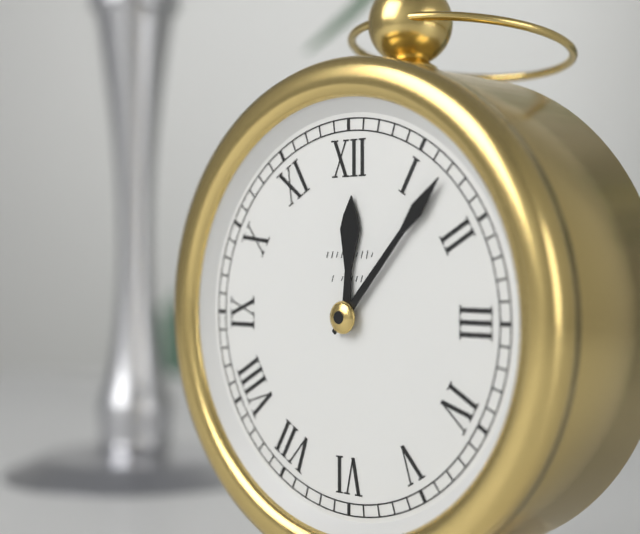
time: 12:07
